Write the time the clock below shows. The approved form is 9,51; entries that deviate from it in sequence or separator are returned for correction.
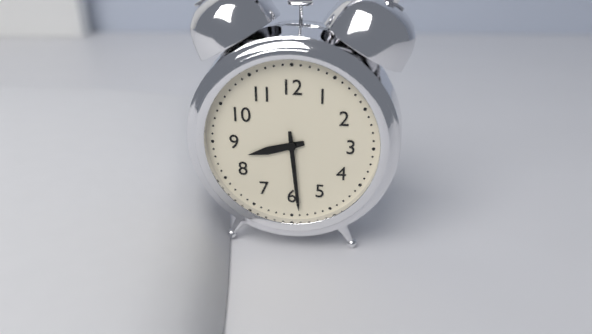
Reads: 8,29
